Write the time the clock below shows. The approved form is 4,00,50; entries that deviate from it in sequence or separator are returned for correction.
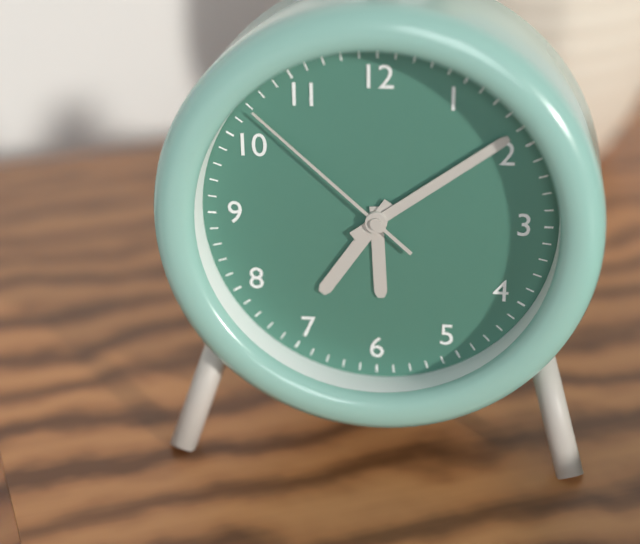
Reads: 7,09,52
